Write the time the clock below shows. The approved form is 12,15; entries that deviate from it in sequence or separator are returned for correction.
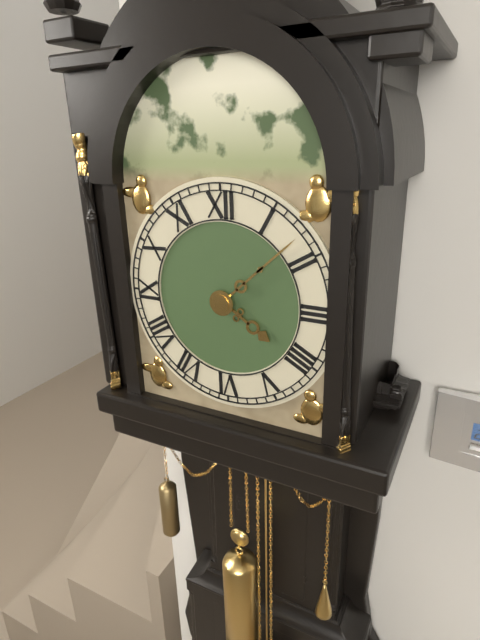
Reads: 4,08
